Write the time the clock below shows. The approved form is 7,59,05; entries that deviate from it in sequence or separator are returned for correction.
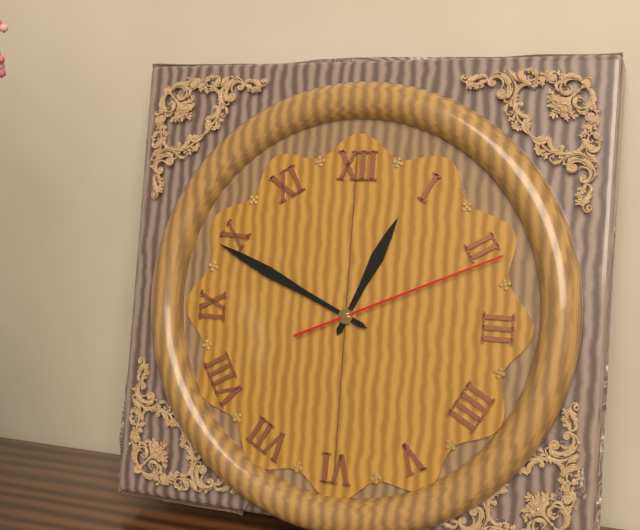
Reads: 12,49,11
